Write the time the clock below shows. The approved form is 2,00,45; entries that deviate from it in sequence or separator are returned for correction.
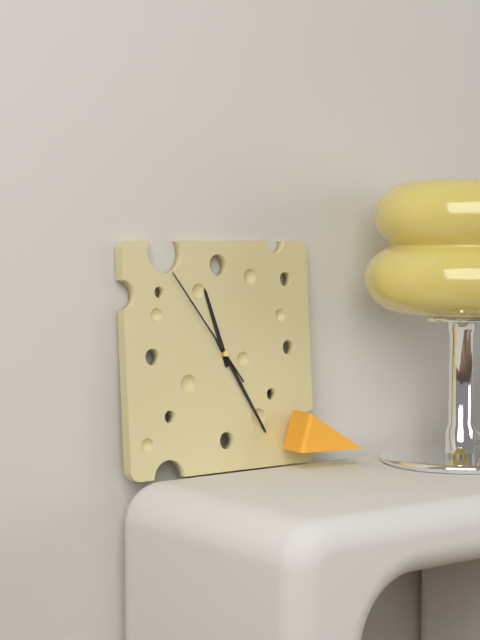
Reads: 11,25,54
